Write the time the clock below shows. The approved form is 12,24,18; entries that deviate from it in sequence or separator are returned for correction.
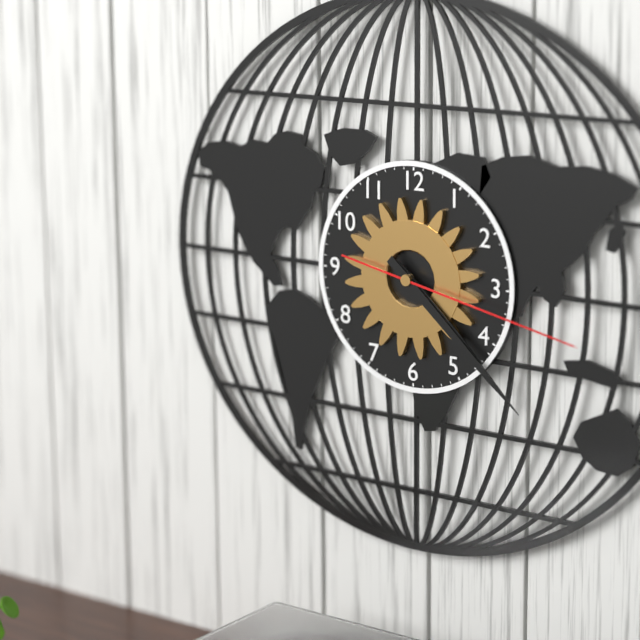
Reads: 4,22,17
